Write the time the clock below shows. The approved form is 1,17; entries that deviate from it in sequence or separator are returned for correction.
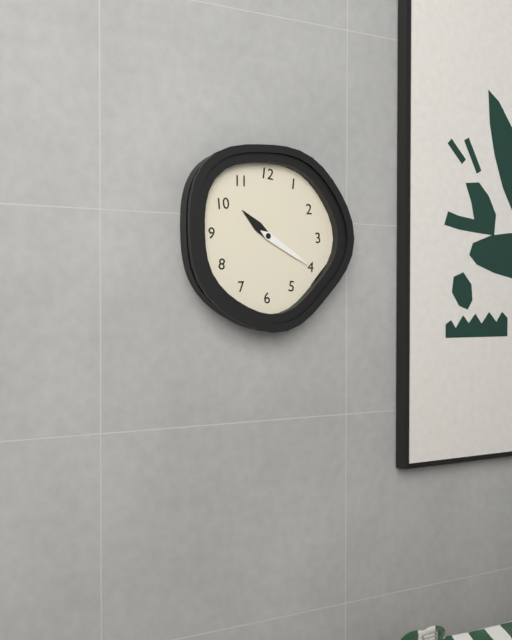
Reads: 10,20
